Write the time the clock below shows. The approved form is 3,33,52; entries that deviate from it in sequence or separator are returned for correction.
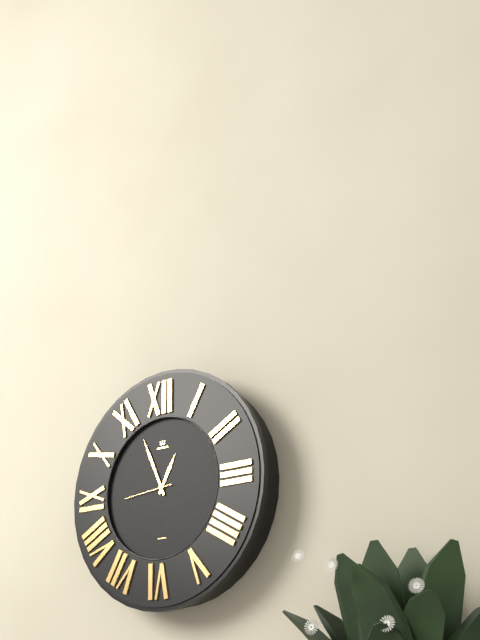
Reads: 12,56,44
